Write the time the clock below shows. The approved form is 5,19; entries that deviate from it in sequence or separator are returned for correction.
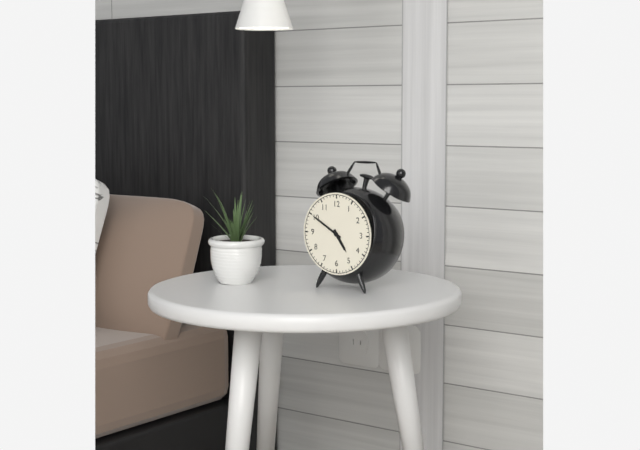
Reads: 4,50
